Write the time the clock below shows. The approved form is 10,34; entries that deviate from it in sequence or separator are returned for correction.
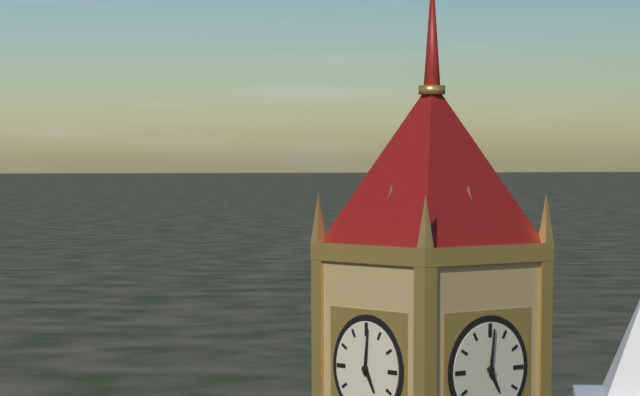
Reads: 5,01
